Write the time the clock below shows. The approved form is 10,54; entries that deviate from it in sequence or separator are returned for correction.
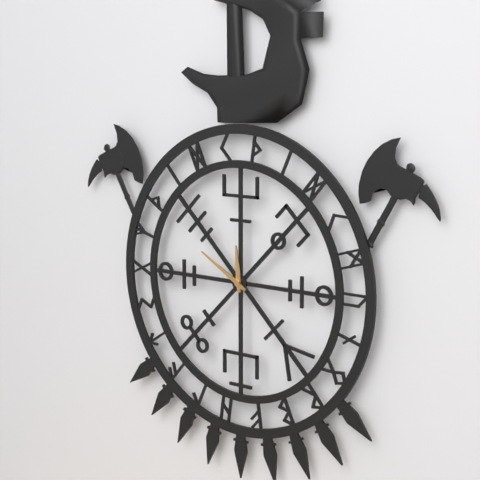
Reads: 11,50
